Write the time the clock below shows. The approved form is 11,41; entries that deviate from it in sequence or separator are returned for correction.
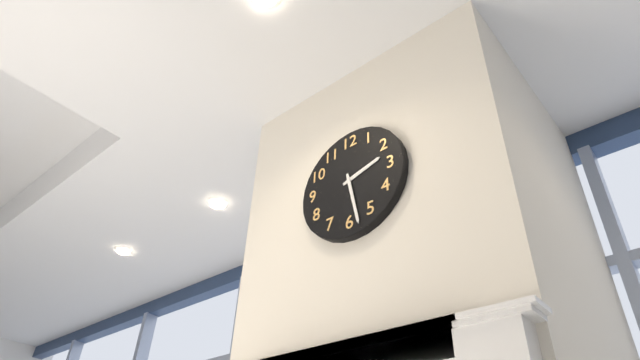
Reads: 2,28
